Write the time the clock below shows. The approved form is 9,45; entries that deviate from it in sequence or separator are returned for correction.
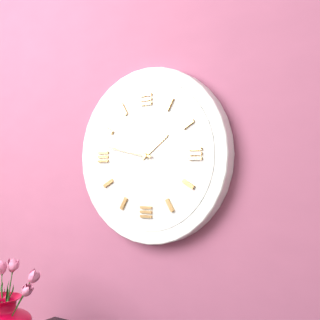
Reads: 1,47
